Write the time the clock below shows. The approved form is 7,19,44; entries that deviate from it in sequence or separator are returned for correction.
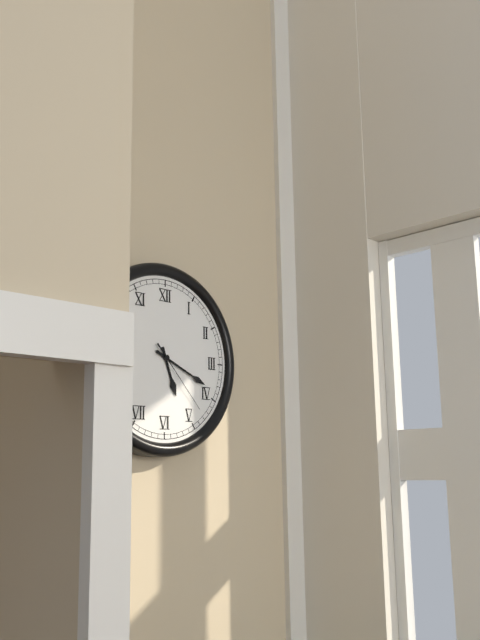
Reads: 5,19,23
